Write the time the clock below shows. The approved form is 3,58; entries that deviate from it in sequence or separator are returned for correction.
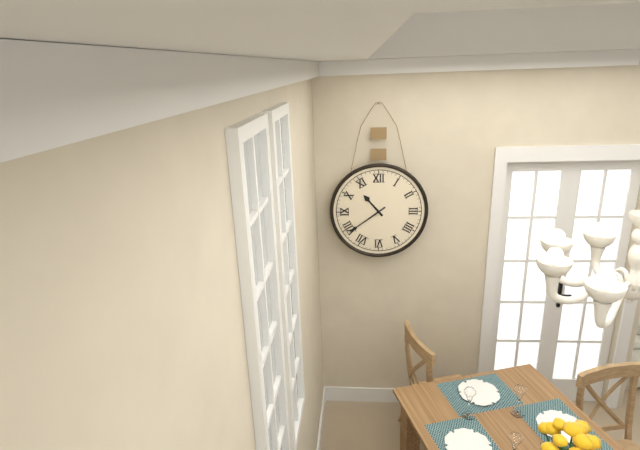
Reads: 10,39
